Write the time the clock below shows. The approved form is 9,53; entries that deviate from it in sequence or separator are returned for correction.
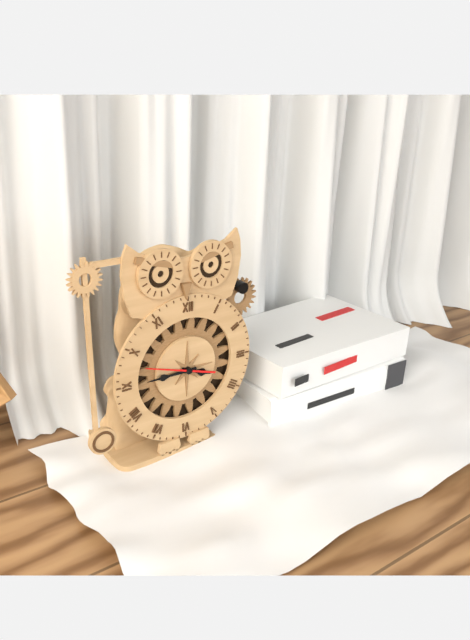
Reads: 3,45
